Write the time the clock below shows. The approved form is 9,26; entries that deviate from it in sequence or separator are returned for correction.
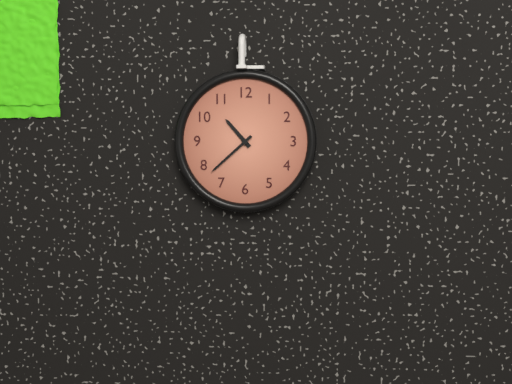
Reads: 10,38
